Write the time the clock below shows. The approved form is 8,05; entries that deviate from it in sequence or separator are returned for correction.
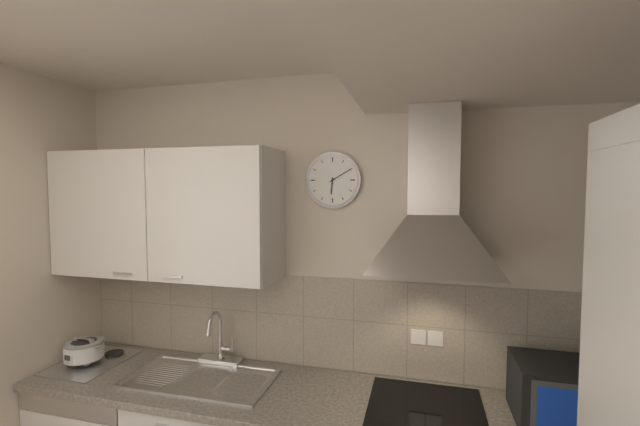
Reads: 6,10
